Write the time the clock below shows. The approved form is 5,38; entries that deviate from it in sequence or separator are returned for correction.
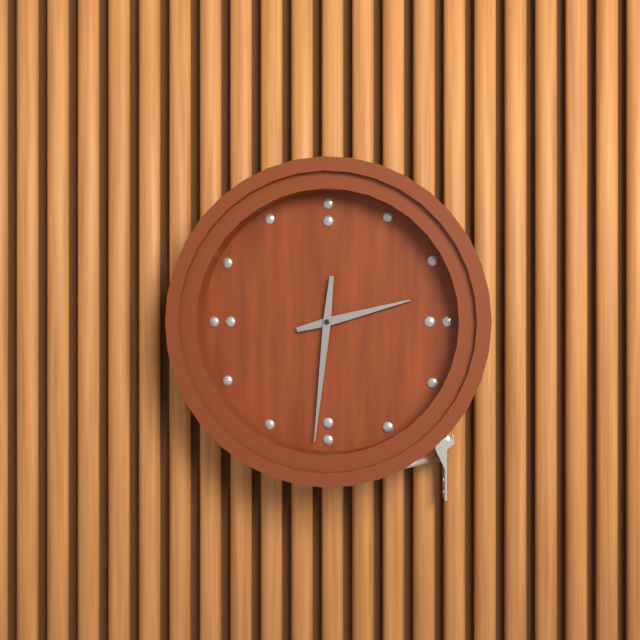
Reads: 2,31
